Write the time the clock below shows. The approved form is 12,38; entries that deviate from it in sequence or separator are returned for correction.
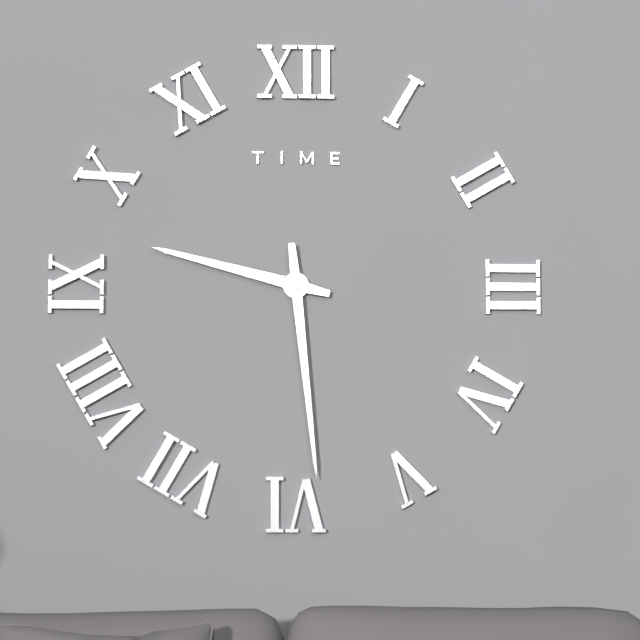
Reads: 9,29
